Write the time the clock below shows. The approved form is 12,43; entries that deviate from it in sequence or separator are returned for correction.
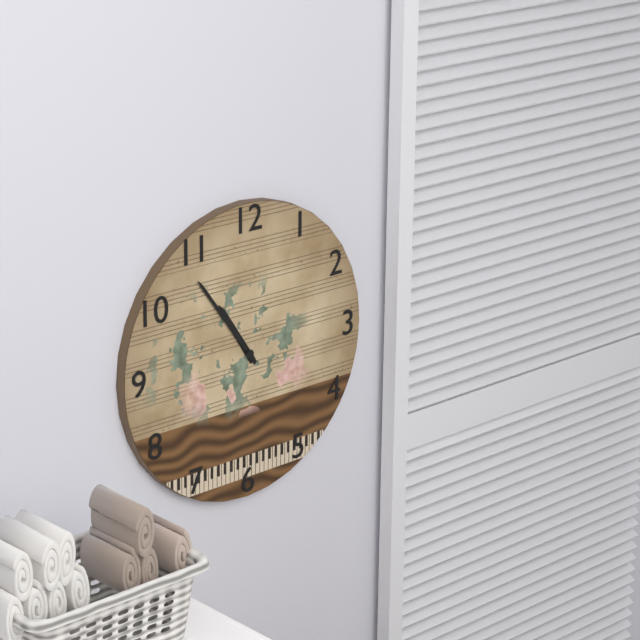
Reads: 10,54
